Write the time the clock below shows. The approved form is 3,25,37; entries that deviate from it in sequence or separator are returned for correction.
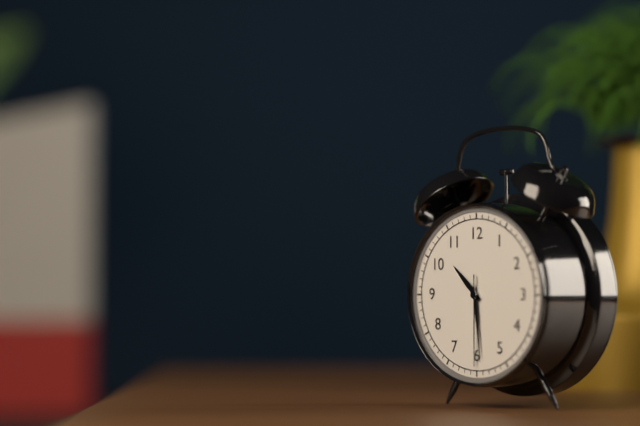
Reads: 10,29,30
